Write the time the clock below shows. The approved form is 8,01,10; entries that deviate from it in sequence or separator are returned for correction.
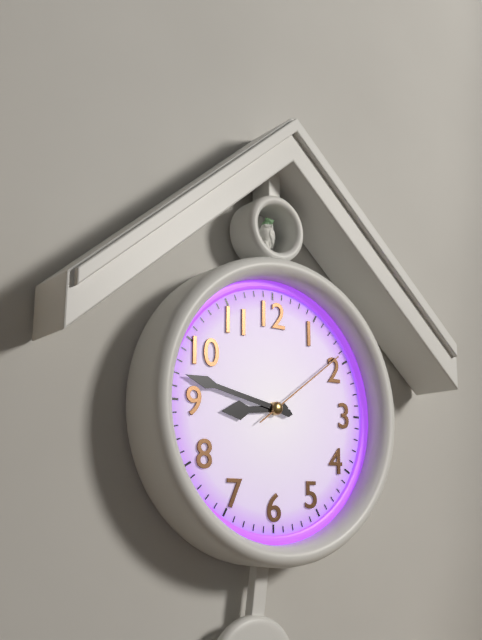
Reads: 8,47,09
